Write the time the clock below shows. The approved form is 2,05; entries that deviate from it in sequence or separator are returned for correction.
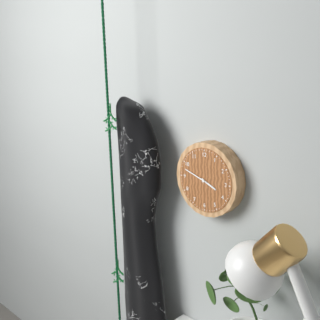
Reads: 3,48
